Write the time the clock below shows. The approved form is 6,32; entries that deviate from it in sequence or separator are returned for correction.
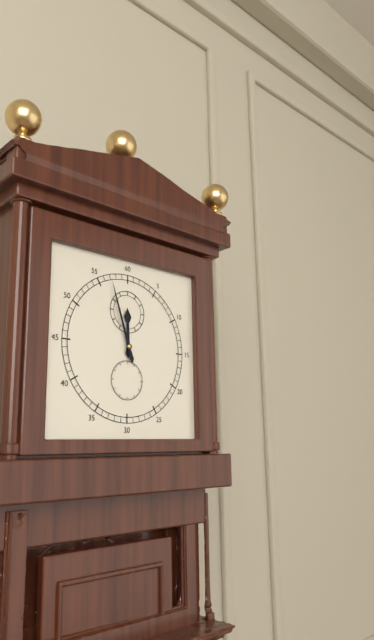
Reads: 11,57
